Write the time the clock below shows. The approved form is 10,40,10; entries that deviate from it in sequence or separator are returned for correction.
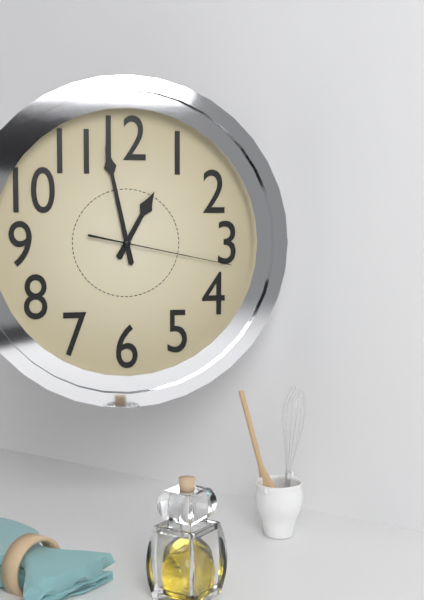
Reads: 12,58,17
